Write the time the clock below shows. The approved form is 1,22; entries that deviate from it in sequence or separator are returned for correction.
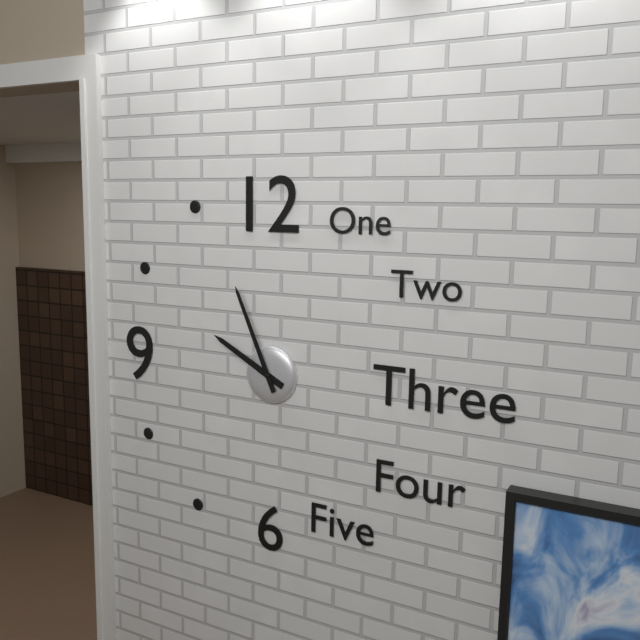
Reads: 9,56
